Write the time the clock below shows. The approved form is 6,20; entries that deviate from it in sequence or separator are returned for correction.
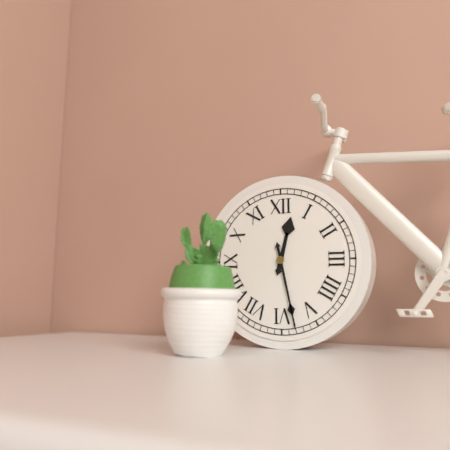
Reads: 12,28
